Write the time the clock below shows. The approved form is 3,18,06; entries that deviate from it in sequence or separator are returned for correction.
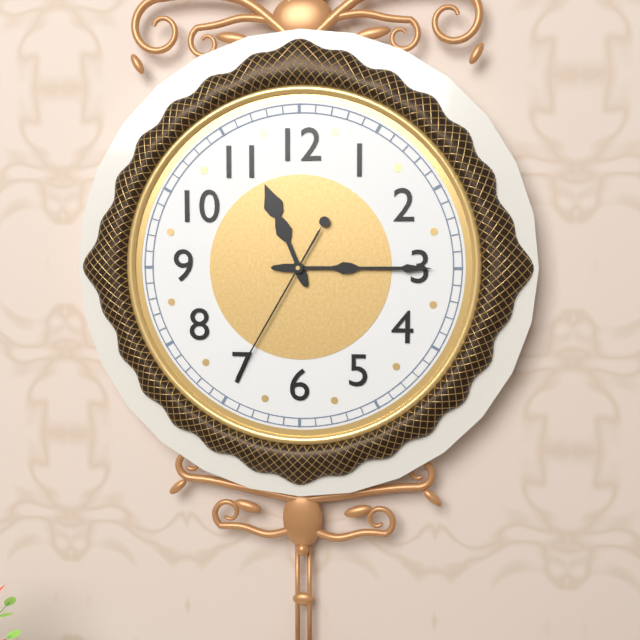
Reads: 11,15,35
